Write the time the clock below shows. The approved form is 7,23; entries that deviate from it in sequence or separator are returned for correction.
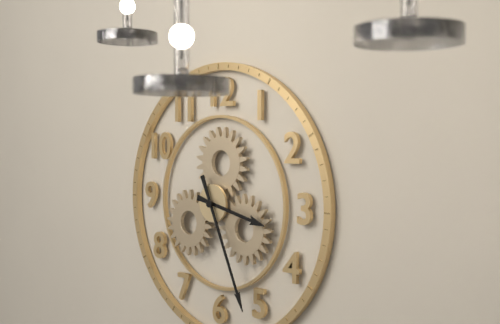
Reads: 3,26
